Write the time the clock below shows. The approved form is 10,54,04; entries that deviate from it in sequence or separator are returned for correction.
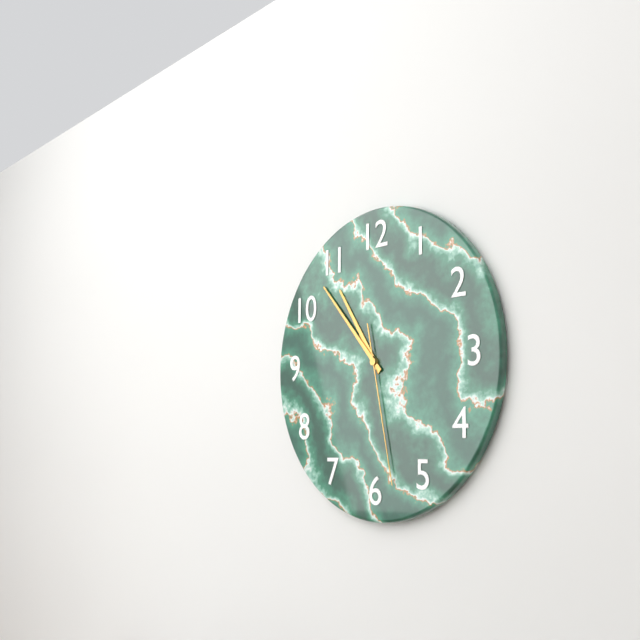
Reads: 10,53,28
